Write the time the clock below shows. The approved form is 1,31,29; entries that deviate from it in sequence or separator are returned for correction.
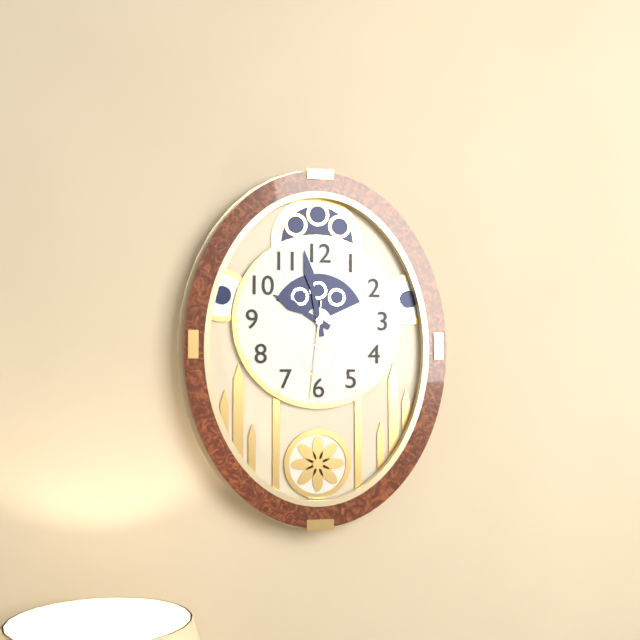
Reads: 9,58,31
